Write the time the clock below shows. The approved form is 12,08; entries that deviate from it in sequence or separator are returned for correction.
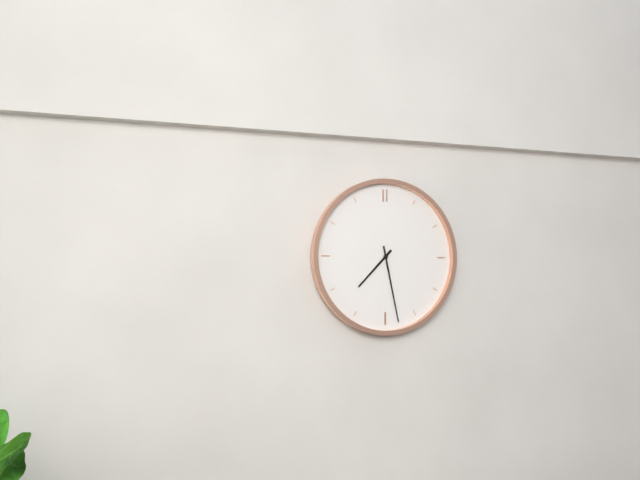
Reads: 7,28
